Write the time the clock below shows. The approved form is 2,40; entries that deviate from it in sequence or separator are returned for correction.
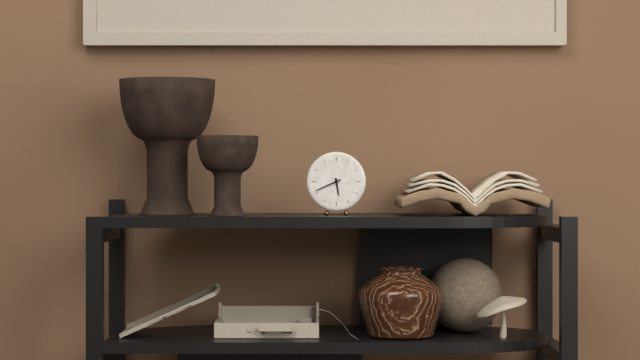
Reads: 5,41
